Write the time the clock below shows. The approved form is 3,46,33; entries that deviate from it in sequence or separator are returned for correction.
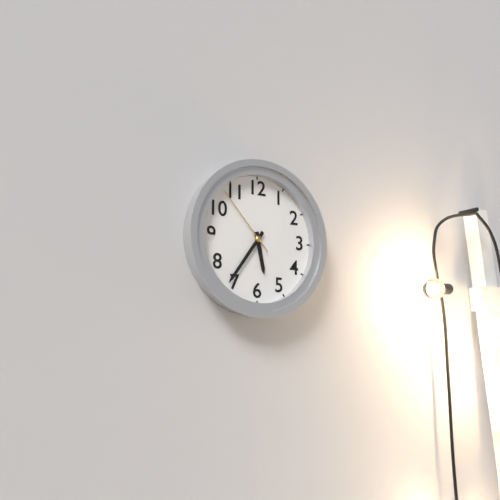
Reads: 5,36,53
